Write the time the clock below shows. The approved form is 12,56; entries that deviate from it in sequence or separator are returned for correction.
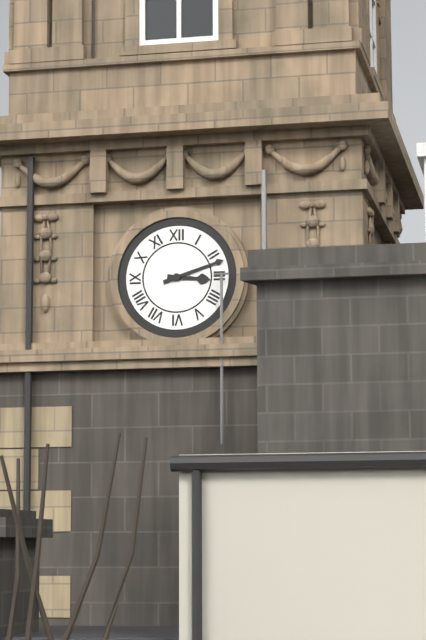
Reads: 3,12
